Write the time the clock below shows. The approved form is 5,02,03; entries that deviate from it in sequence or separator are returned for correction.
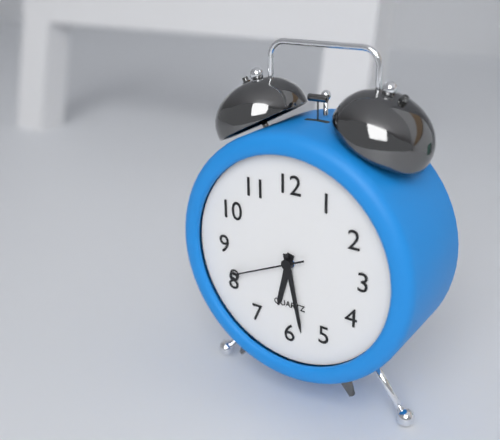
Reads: 6,28,41
